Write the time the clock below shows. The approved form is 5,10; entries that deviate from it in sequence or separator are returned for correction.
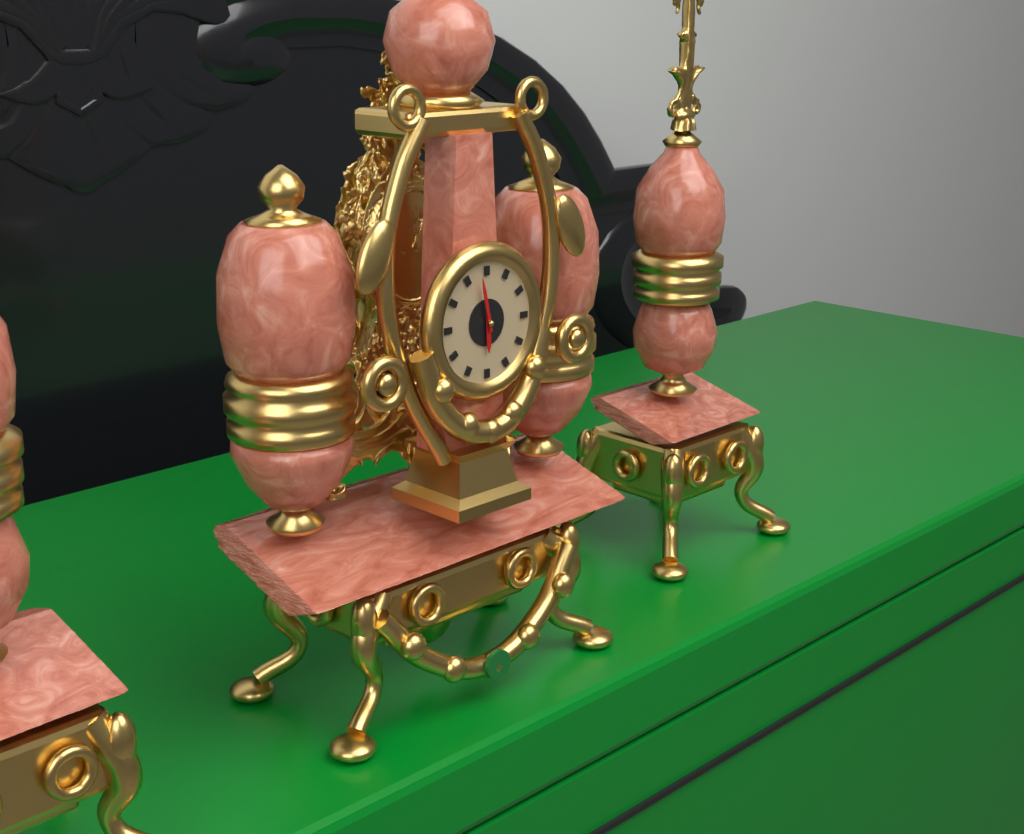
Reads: 5,58
